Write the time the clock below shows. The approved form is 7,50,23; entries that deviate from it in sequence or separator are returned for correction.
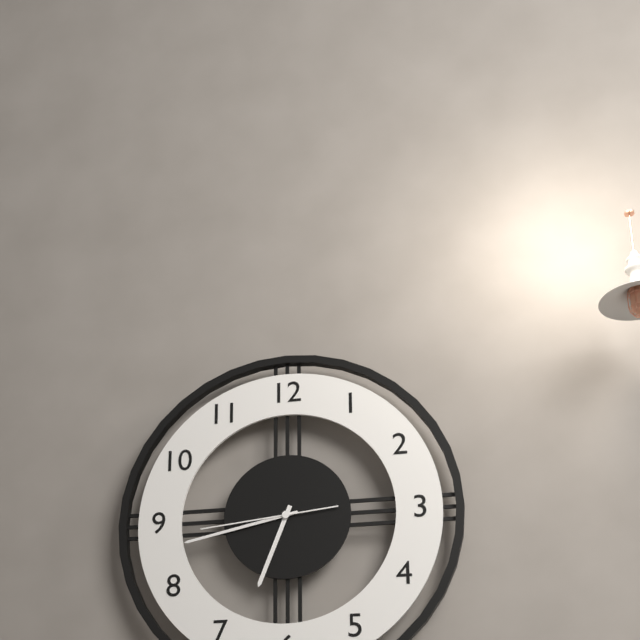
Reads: 6,43,44
